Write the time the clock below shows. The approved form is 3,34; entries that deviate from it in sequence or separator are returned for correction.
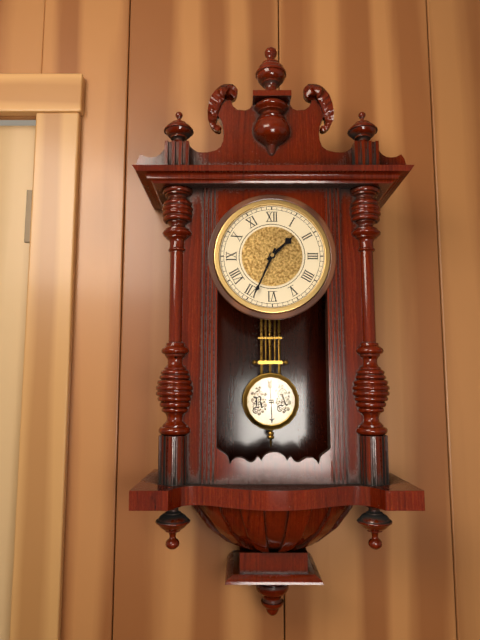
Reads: 1,34
